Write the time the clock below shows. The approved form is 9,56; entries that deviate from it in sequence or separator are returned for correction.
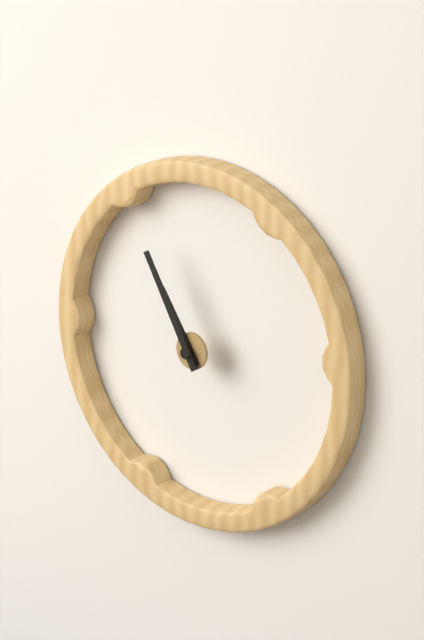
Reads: 10,55
